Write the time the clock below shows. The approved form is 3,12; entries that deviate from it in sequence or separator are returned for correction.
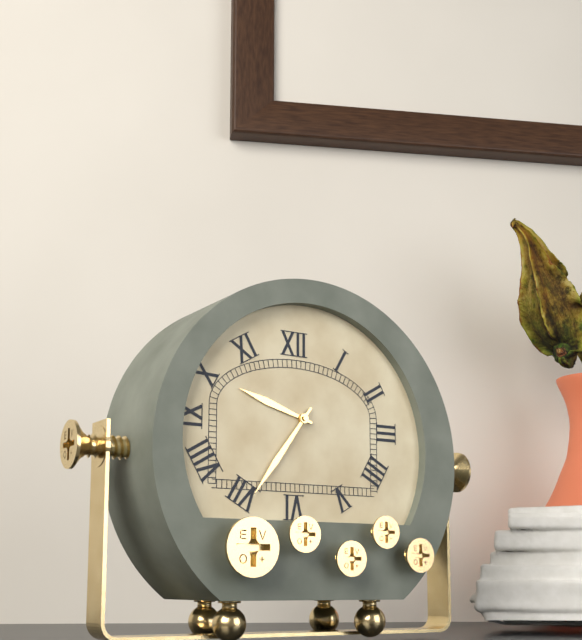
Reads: 9,36
